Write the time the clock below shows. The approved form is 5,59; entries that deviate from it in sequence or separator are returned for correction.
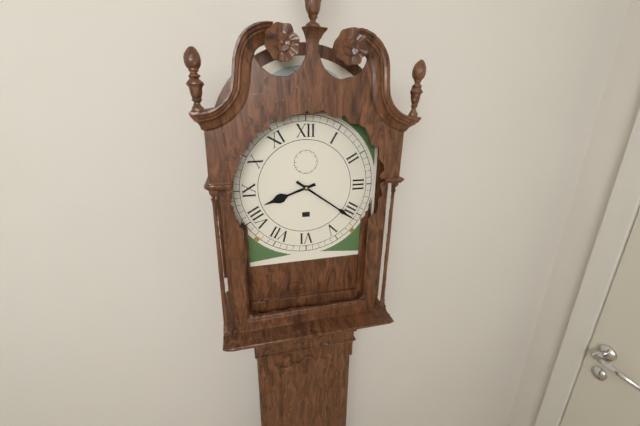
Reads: 8,21
